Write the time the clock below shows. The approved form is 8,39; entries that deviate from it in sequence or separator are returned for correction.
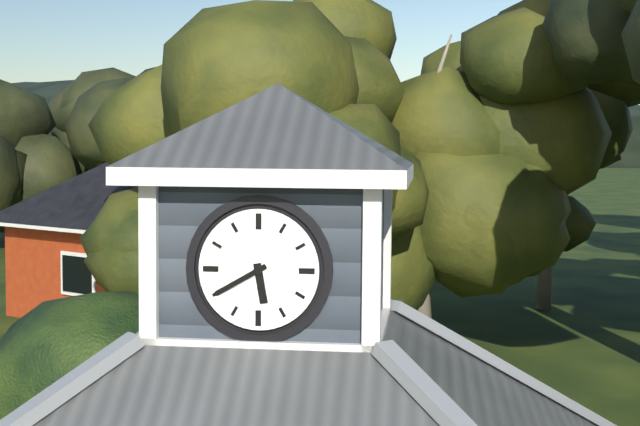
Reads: 5,40
